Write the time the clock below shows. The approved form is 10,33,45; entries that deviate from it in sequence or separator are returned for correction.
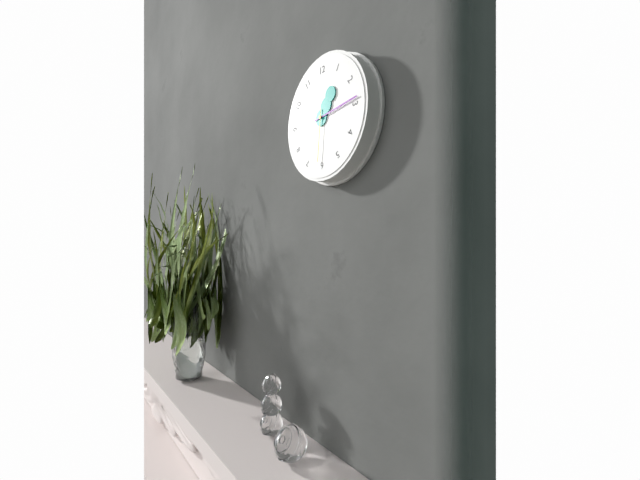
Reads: 1,14,31
